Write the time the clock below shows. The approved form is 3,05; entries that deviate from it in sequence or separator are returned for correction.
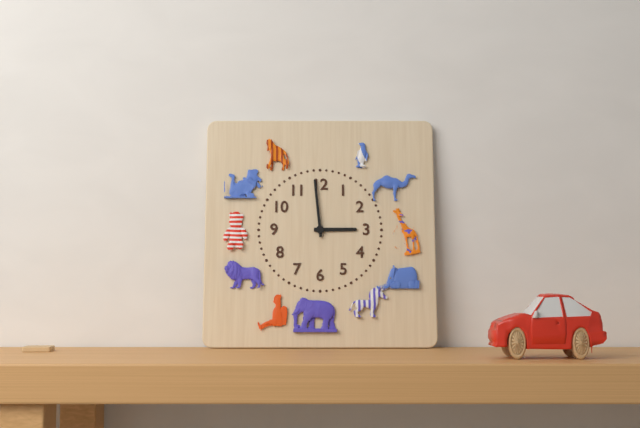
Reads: 2,59
